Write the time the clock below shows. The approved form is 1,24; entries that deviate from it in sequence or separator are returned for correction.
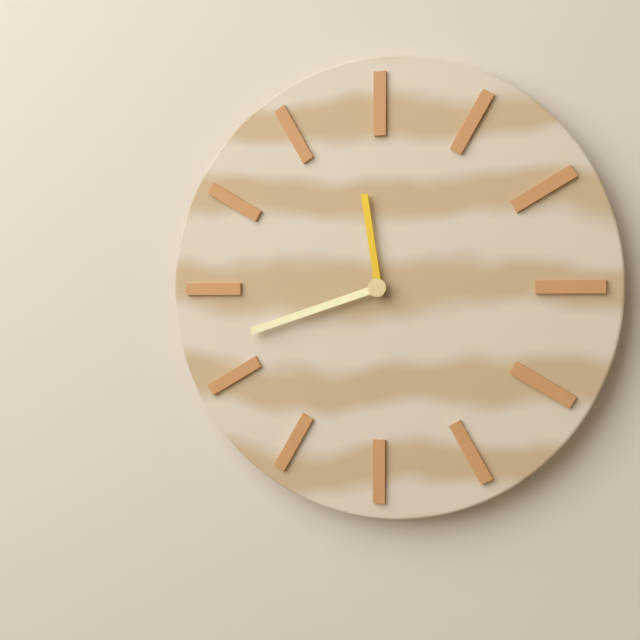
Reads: 11,42
